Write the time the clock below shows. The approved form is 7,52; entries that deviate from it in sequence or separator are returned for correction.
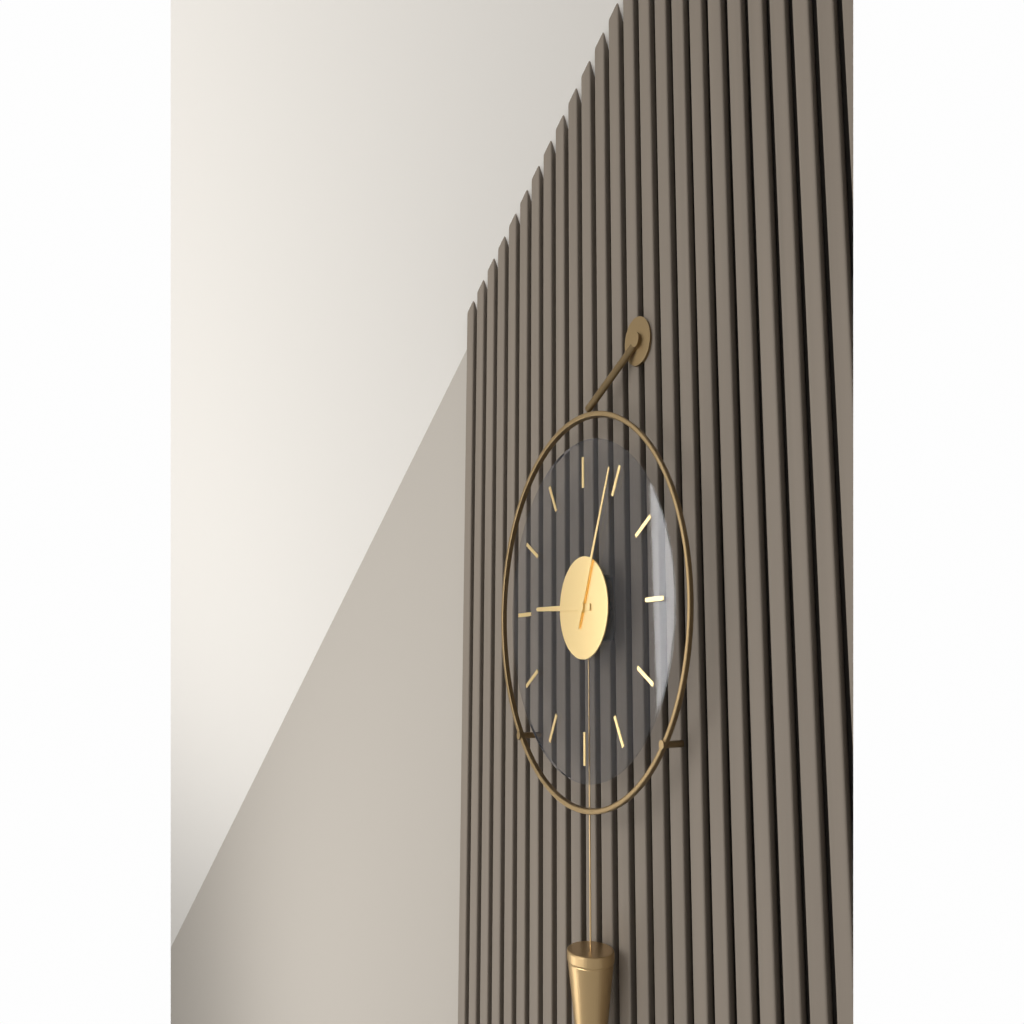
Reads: 9,04
